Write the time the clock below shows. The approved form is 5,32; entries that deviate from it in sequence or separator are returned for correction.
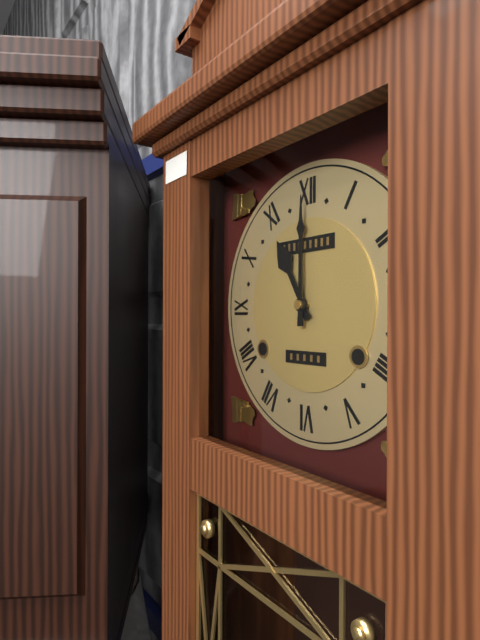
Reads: 11,00
